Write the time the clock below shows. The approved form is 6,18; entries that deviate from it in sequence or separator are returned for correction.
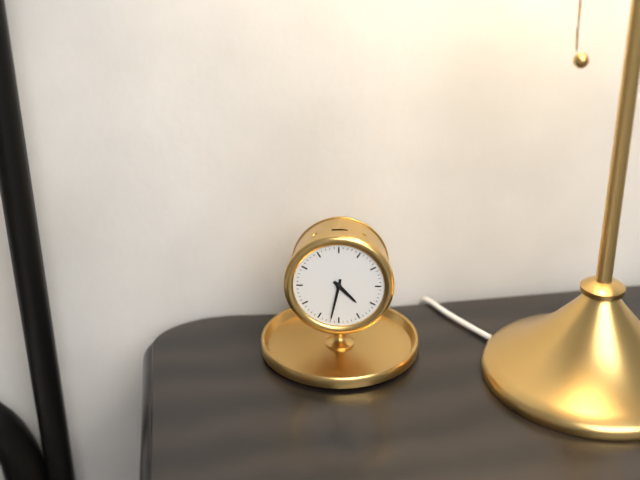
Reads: 4,32
